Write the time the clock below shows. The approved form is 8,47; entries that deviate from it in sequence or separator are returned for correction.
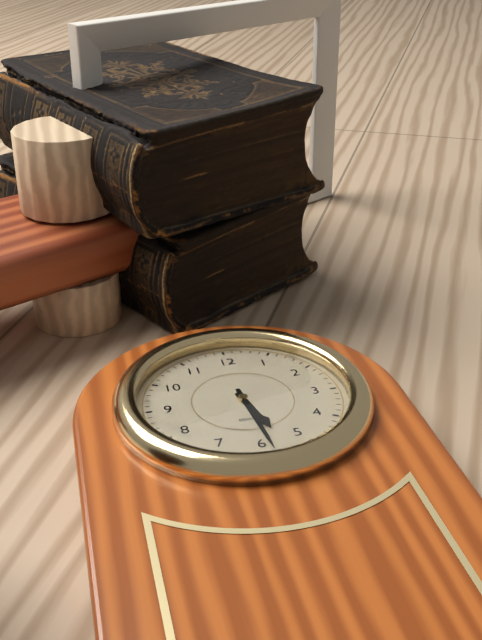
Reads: 5,29
